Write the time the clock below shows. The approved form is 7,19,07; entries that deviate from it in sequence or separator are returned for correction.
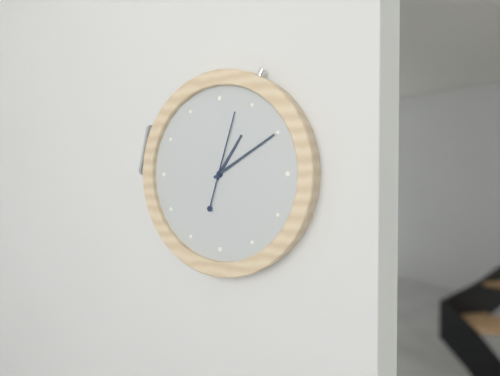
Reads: 1,10,03
